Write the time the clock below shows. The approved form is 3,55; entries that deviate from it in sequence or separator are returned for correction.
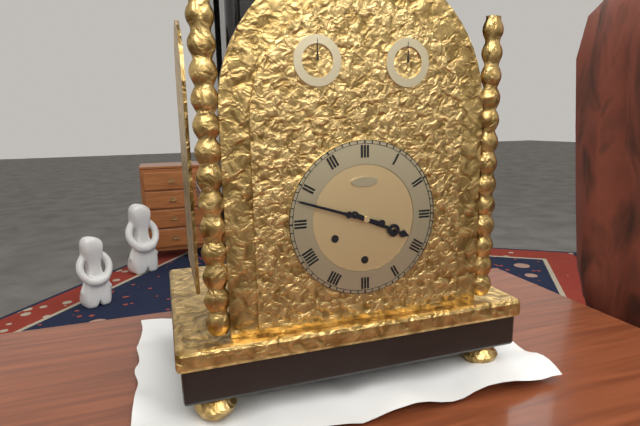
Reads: 3,48
